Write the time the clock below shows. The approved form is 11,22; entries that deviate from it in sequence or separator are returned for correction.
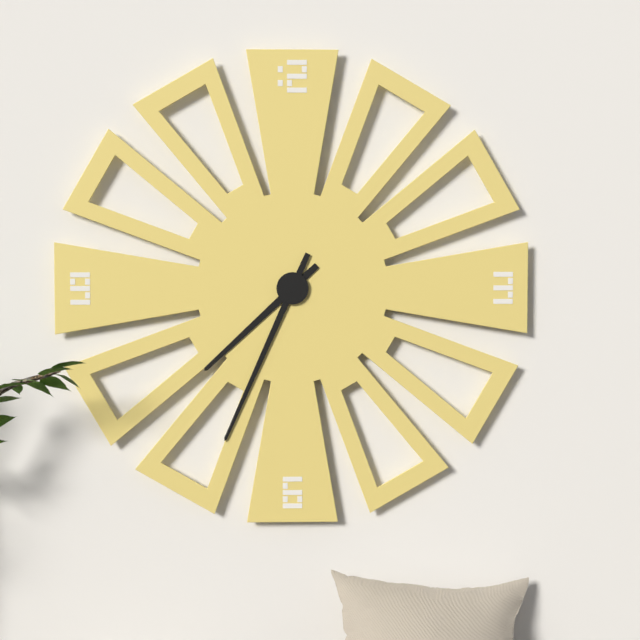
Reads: 7,34
